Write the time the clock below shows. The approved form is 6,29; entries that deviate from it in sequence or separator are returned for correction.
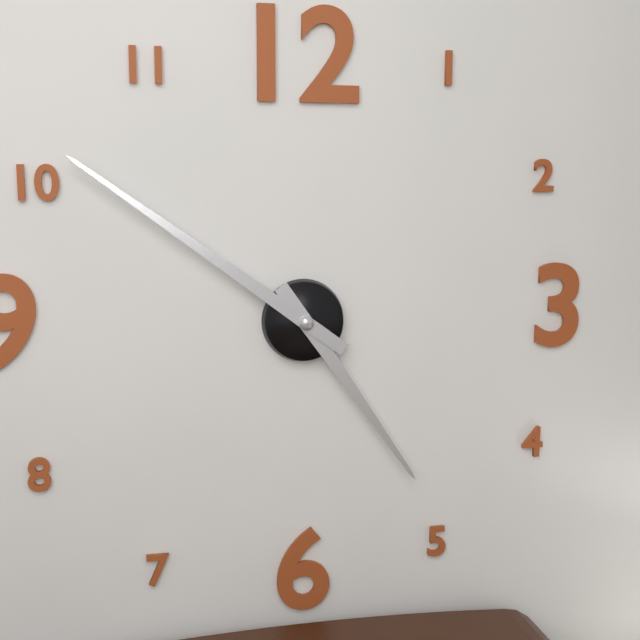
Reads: 4,51
